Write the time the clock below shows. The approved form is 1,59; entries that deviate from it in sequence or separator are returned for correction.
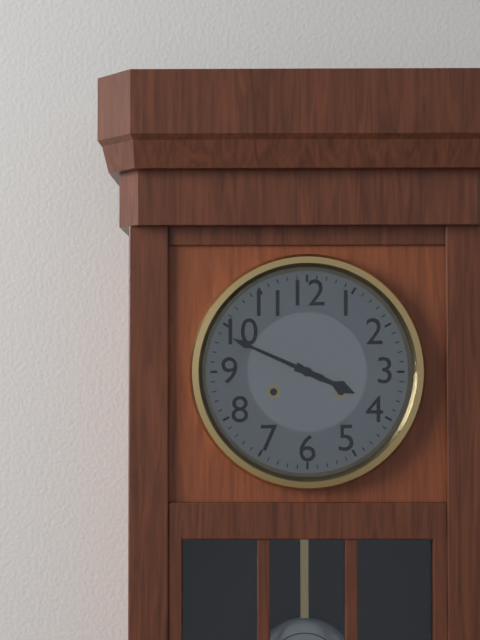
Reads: 3,49
